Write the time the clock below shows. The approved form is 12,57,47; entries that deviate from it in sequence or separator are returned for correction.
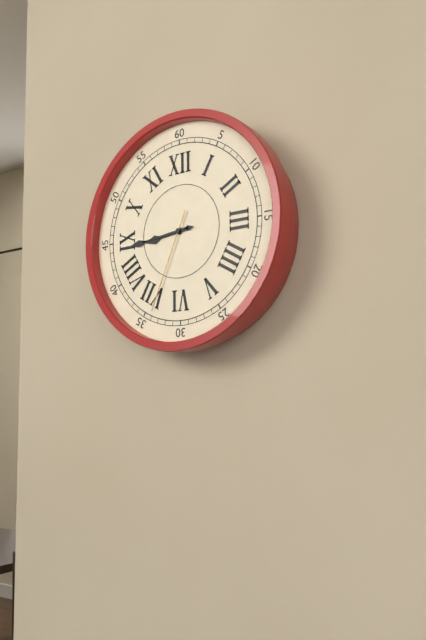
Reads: 8,44,34
